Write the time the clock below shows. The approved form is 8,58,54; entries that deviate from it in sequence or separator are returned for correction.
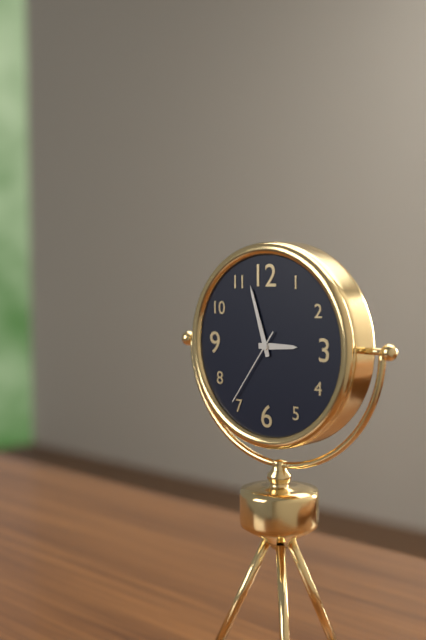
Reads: 2,57,36
